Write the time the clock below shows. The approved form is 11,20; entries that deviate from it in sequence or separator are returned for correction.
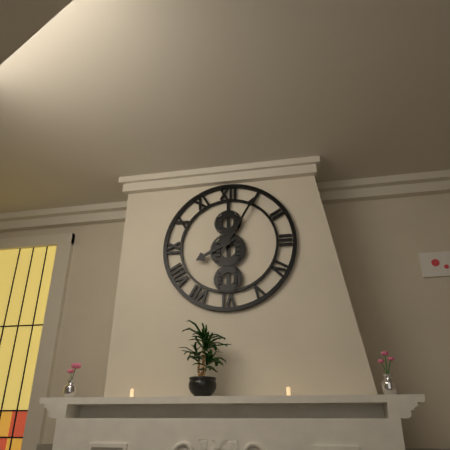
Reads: 8,05
